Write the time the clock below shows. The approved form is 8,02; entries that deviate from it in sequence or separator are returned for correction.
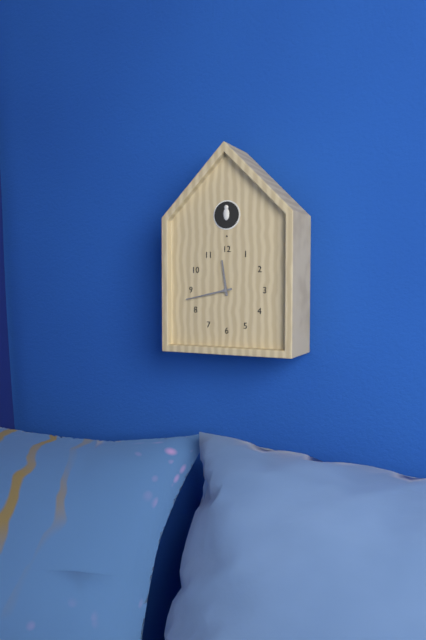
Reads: 11,43
